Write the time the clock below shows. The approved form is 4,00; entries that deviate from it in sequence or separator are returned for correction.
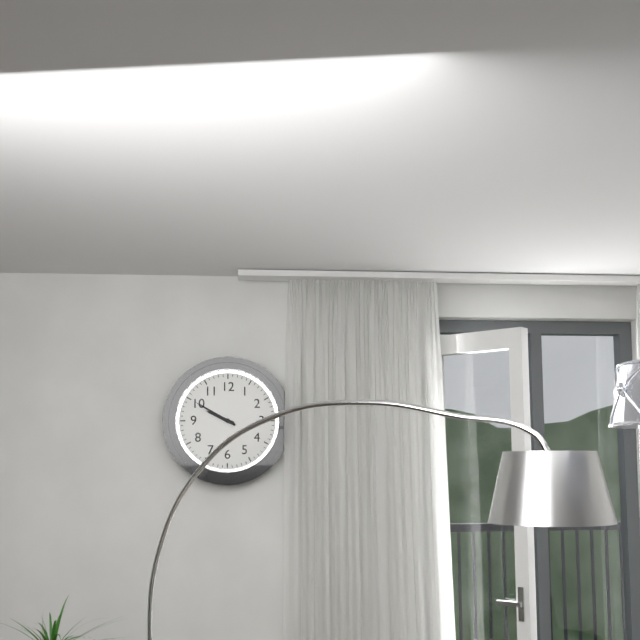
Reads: 9,50
